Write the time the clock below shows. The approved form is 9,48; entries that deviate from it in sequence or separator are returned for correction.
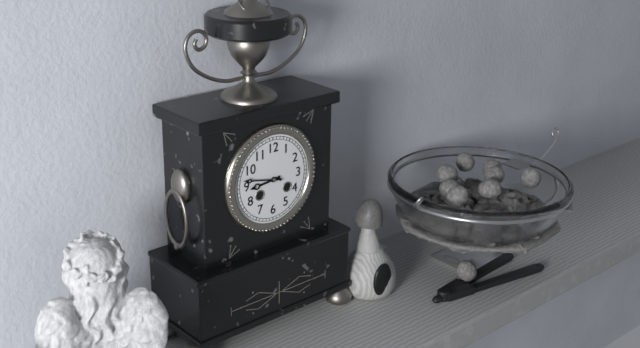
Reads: 8,47
